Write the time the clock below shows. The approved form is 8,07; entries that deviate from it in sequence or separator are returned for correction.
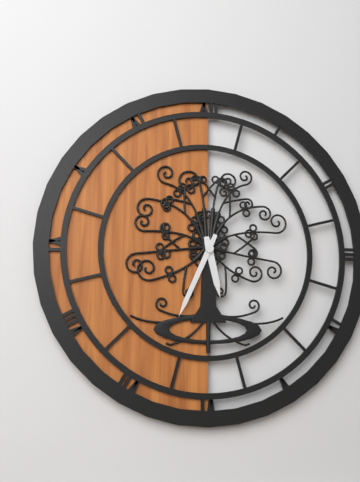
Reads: 5,34
